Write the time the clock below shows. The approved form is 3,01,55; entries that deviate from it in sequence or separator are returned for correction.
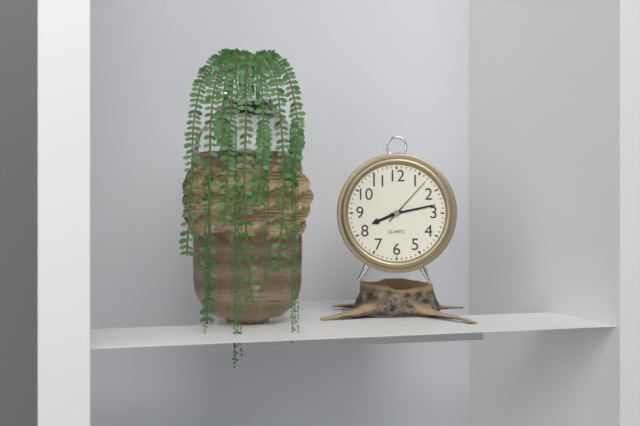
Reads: 8,13,07
